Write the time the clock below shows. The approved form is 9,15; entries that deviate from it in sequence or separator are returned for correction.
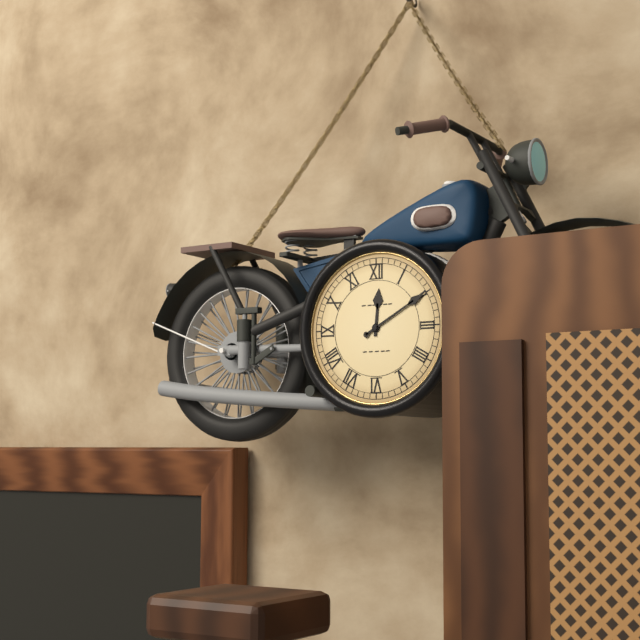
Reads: 12,10
